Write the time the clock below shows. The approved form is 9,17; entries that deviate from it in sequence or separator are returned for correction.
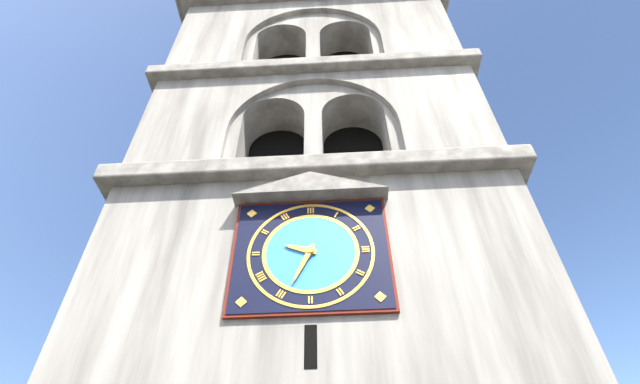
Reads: 9,34
